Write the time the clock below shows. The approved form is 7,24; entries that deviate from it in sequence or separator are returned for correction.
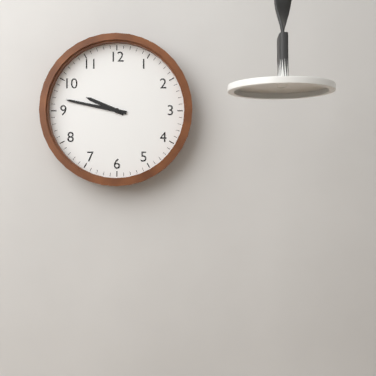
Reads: 9,47
